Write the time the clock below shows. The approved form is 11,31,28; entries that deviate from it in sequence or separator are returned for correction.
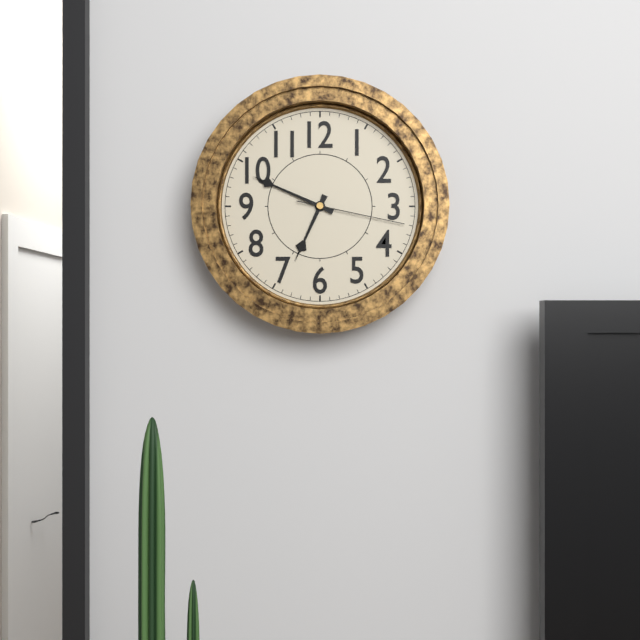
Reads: 6,49,17
